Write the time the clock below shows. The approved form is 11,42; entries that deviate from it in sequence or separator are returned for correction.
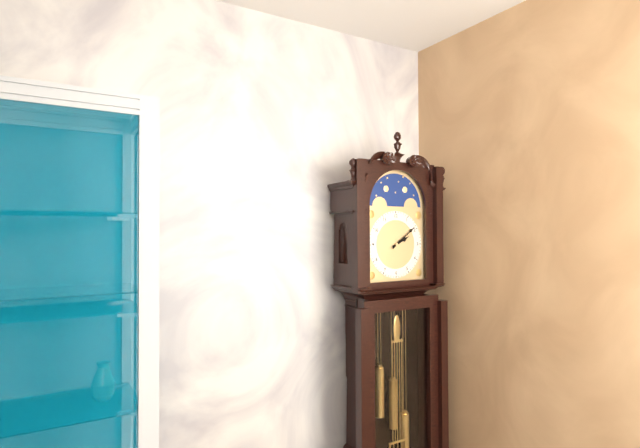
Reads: 2,09
